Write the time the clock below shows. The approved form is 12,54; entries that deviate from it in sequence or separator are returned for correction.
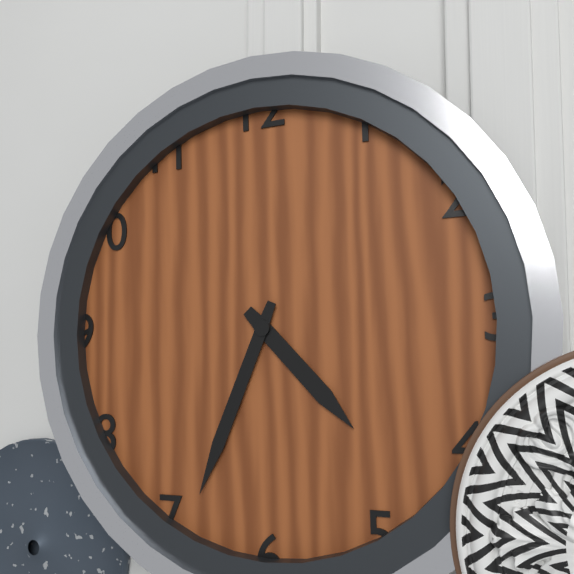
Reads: 4,34
